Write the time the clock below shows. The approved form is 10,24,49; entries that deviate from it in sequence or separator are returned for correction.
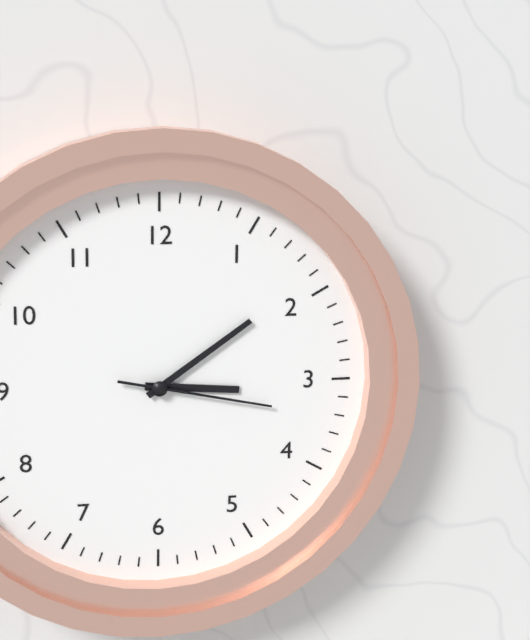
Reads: 3,09,17
